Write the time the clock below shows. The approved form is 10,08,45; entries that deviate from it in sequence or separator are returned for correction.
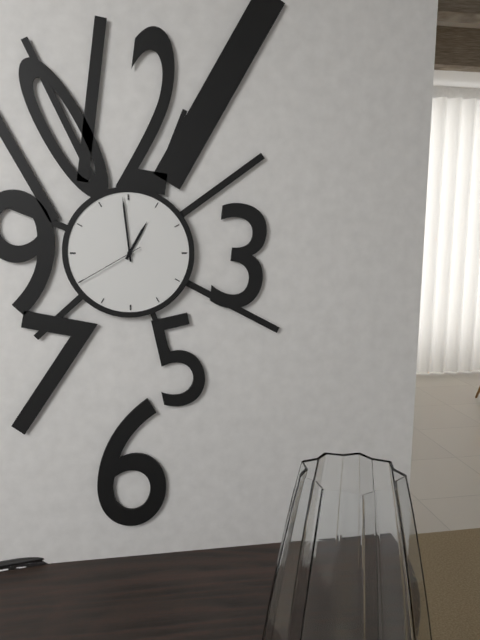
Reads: 12,59,40
